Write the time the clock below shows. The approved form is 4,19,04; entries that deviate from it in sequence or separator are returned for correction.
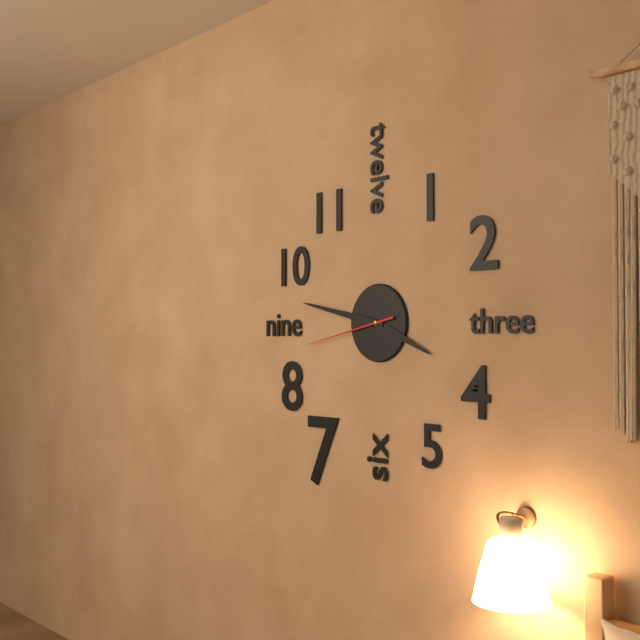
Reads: 3,47,43
